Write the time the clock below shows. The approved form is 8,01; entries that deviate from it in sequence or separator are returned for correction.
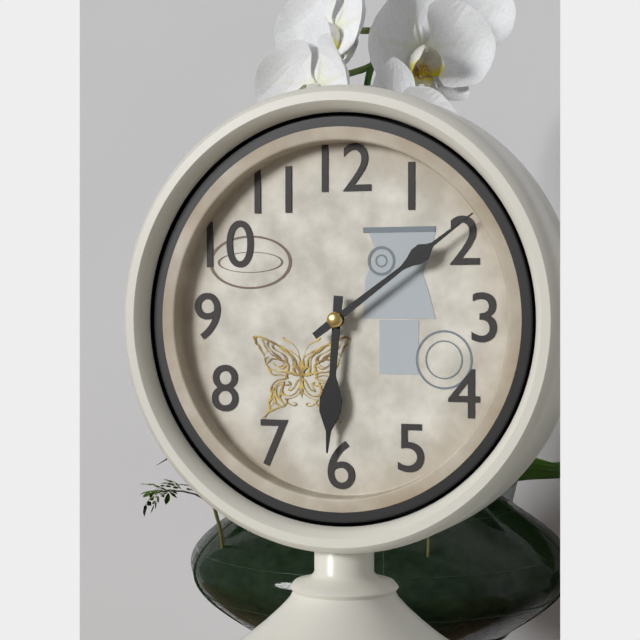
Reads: 6,09
